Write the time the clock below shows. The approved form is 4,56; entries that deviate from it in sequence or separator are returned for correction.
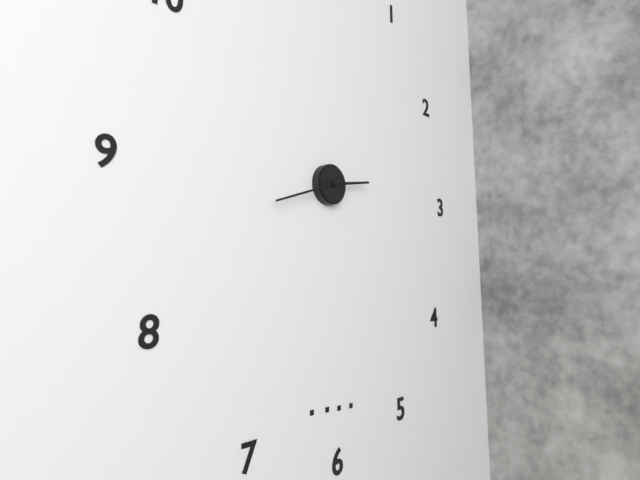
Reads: 2,42
